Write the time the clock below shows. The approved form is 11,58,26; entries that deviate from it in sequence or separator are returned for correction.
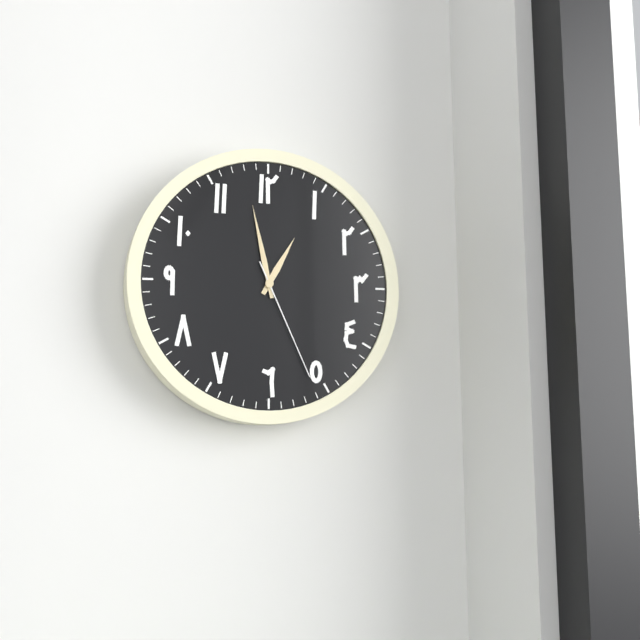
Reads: 12,58,26
